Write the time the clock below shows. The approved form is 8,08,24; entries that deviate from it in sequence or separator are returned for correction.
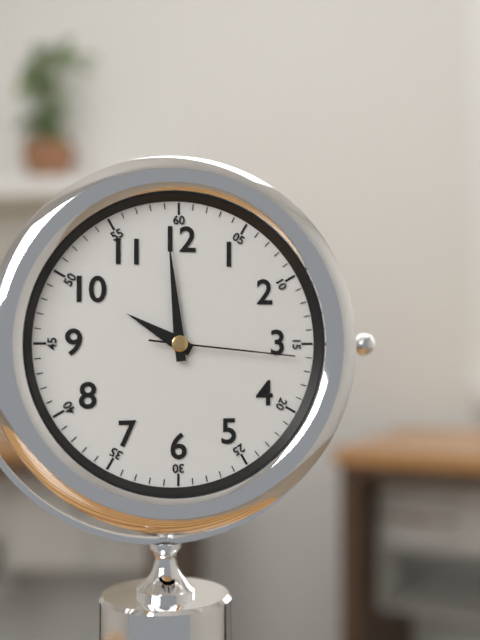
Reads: 9,59,16
